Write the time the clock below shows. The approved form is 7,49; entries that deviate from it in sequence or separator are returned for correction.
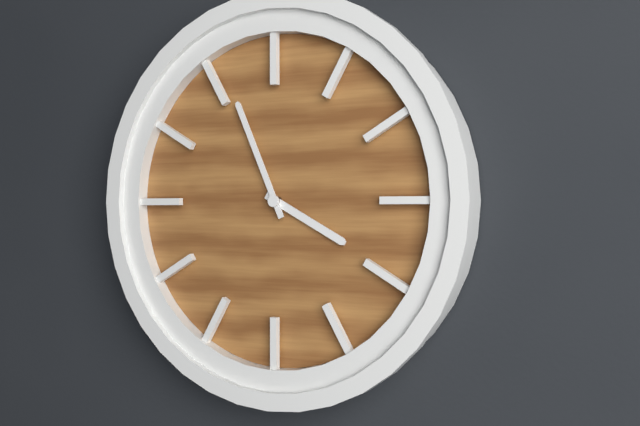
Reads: 3,56
